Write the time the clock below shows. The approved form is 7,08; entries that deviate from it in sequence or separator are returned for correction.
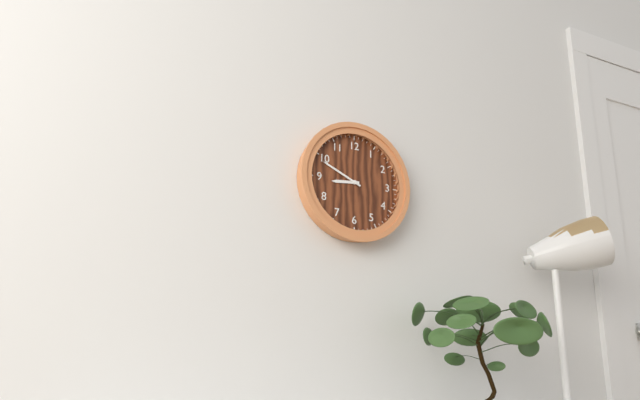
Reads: 8,49
